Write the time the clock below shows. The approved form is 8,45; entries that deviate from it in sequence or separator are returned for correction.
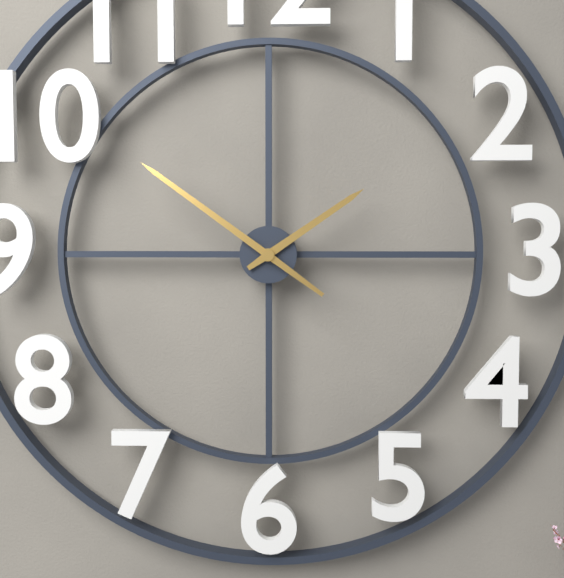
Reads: 1,51
